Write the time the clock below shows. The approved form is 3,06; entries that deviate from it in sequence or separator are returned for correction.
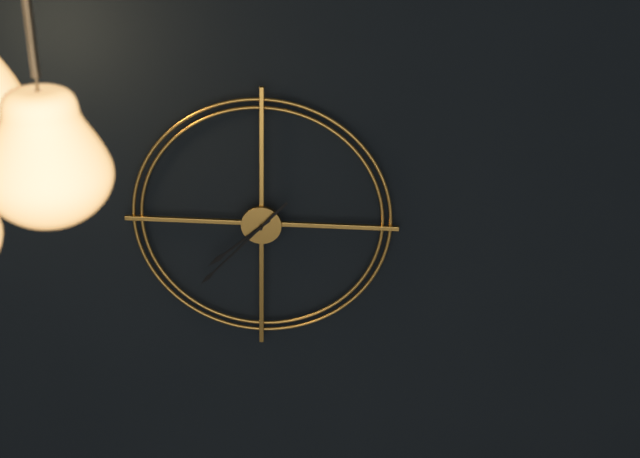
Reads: 7,37
